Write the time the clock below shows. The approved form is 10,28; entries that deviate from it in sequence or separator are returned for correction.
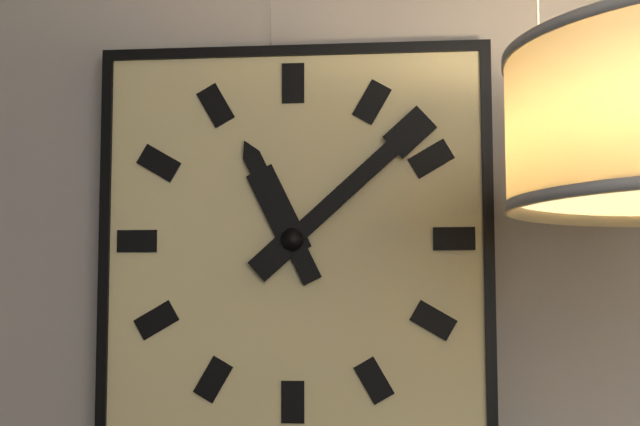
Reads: 11,08
